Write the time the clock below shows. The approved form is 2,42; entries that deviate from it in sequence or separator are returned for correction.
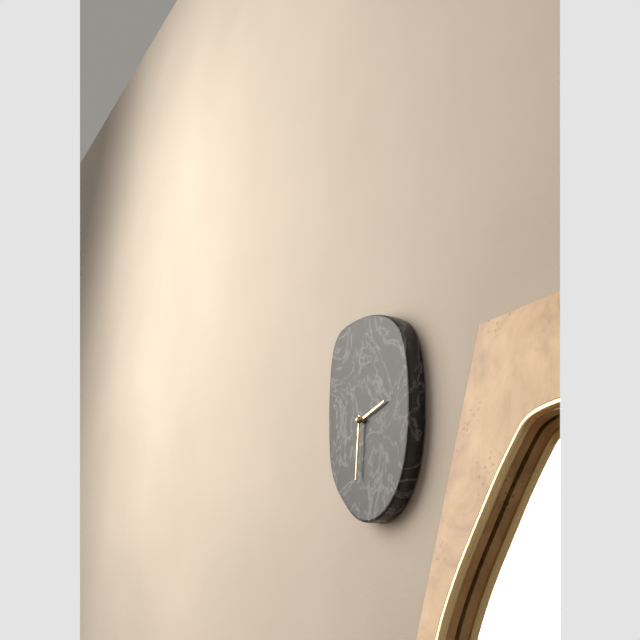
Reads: 2,31
